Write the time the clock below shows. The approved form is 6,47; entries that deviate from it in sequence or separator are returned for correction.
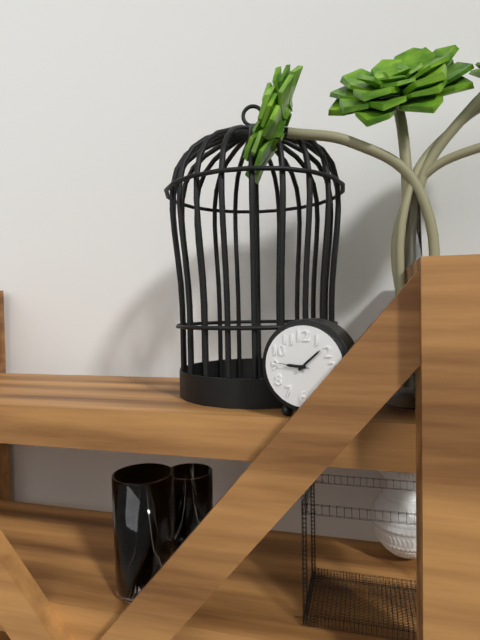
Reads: 9,08
